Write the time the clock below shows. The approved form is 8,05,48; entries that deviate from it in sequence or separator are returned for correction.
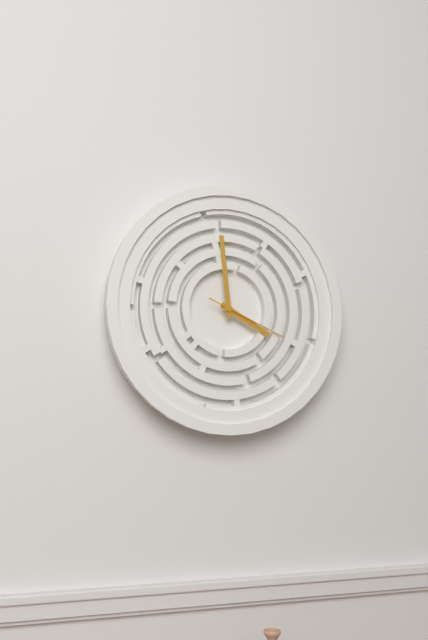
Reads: 3,59,19
